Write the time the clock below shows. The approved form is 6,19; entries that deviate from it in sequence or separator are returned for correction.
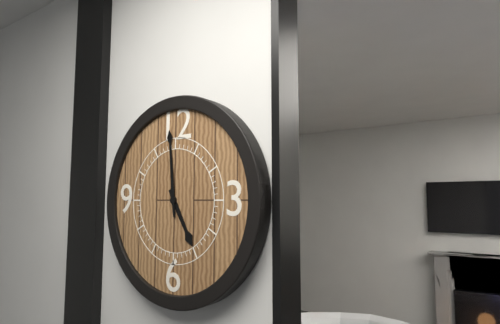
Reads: 4,59
